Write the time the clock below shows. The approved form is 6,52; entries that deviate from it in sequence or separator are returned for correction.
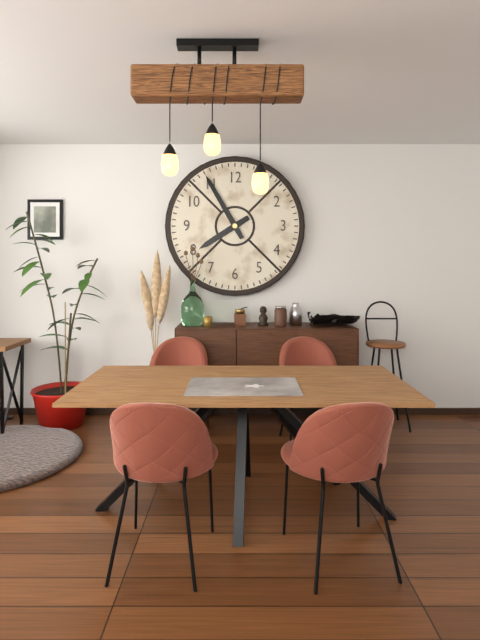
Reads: 7,55
